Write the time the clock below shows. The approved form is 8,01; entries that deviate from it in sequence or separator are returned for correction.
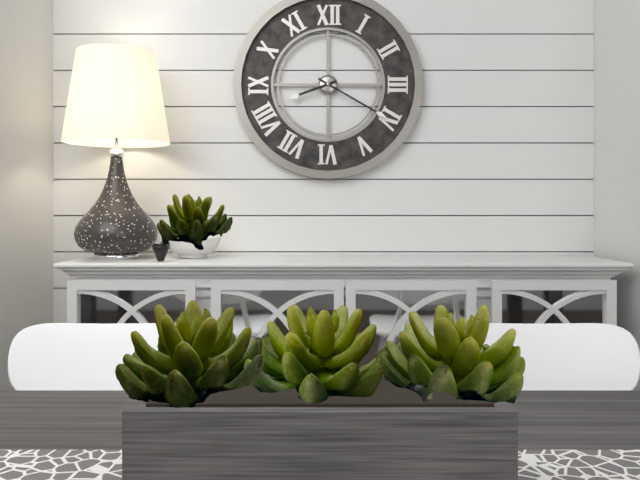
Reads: 8,20
